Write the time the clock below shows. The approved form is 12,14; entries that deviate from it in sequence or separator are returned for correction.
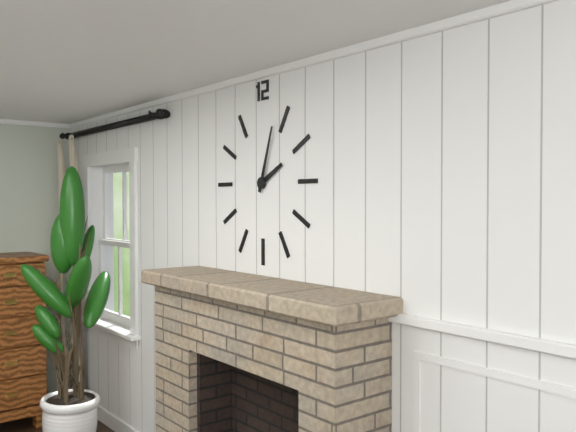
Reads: 2,03
